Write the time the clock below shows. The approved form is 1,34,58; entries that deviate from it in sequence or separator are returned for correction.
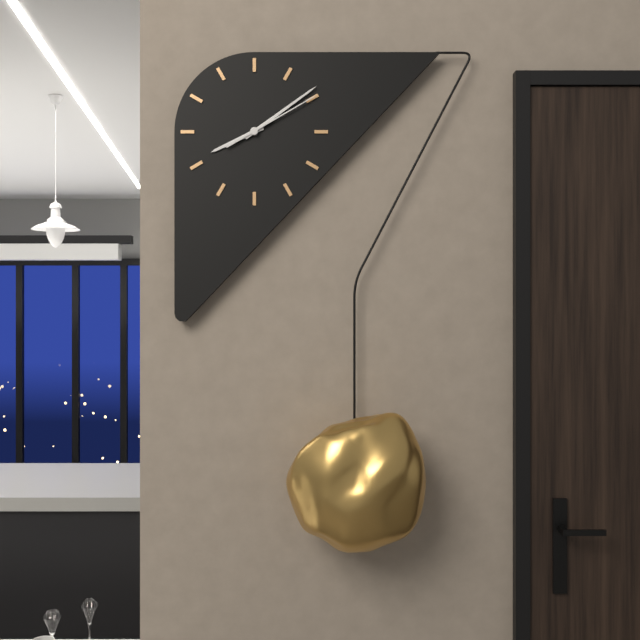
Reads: 8,09,10
